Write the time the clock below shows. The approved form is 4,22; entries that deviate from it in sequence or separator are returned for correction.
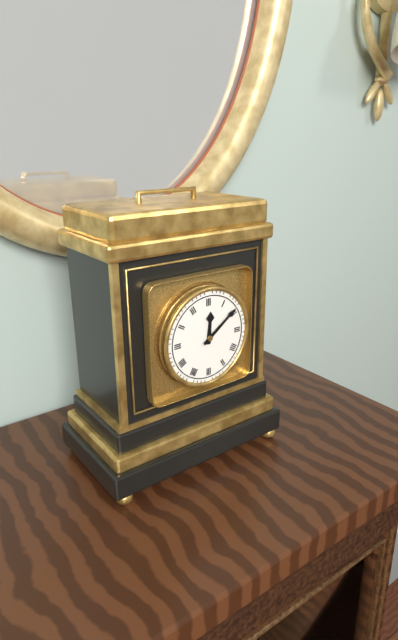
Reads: 12,09
